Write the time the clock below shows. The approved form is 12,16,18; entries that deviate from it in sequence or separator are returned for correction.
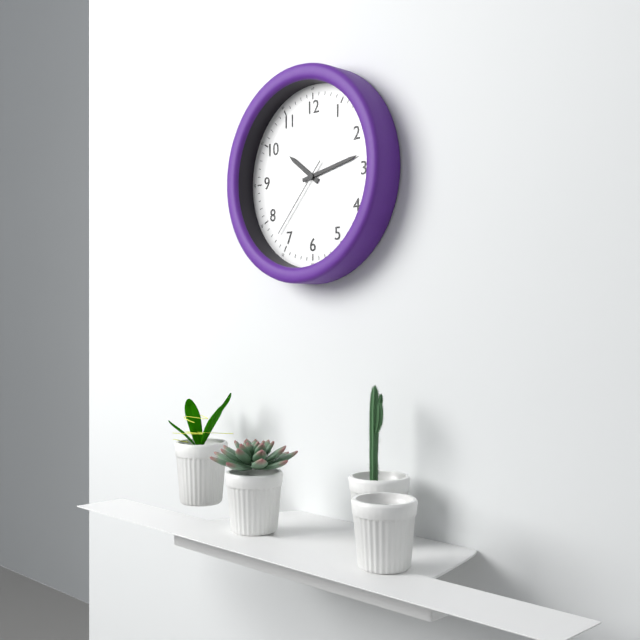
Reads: 10,13,37
